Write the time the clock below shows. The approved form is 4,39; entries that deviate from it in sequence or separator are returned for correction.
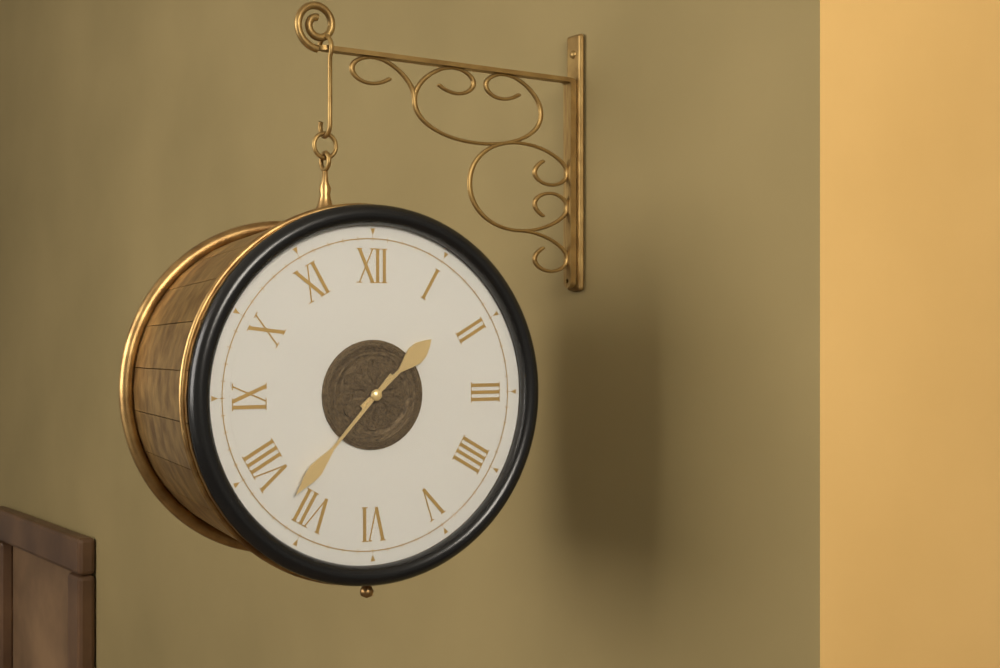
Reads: 1,37
